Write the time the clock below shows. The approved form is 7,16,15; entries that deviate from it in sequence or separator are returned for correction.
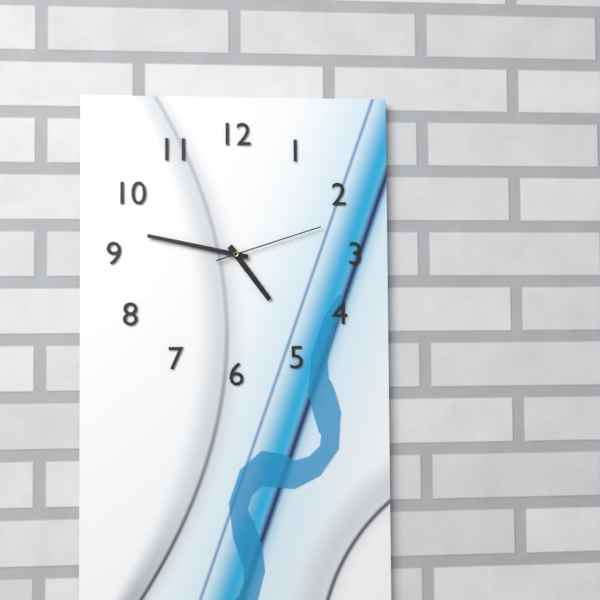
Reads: 4,47,12
